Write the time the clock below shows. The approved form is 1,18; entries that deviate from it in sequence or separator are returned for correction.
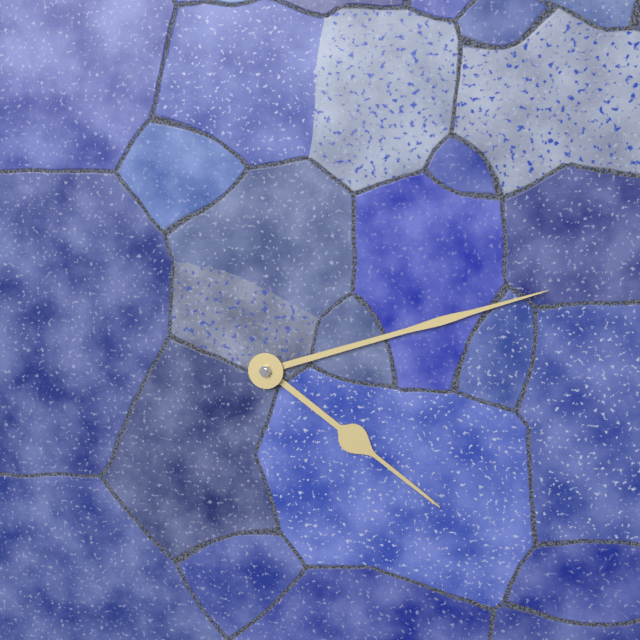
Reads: 4,12
